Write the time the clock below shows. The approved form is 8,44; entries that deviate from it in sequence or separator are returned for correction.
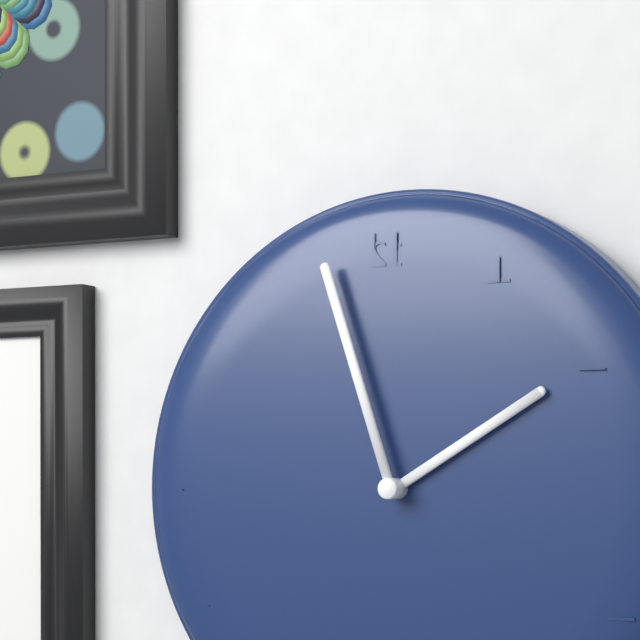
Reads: 1,57
